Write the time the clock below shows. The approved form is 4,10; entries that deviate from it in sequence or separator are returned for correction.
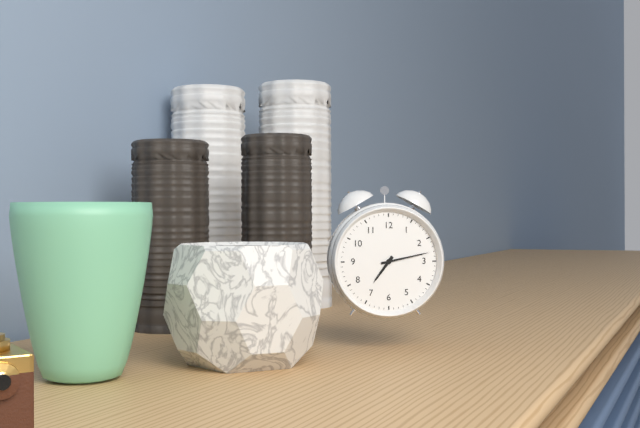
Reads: 7,13
